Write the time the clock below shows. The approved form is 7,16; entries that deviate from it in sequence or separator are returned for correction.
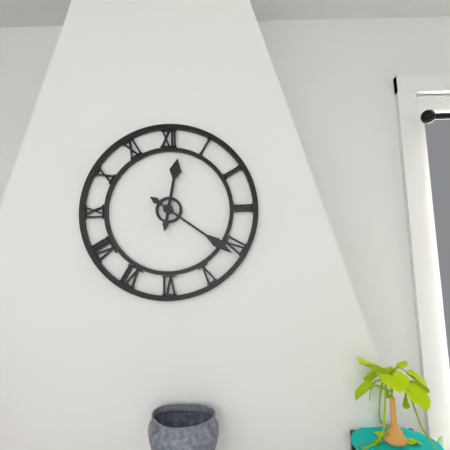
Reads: 12,21
